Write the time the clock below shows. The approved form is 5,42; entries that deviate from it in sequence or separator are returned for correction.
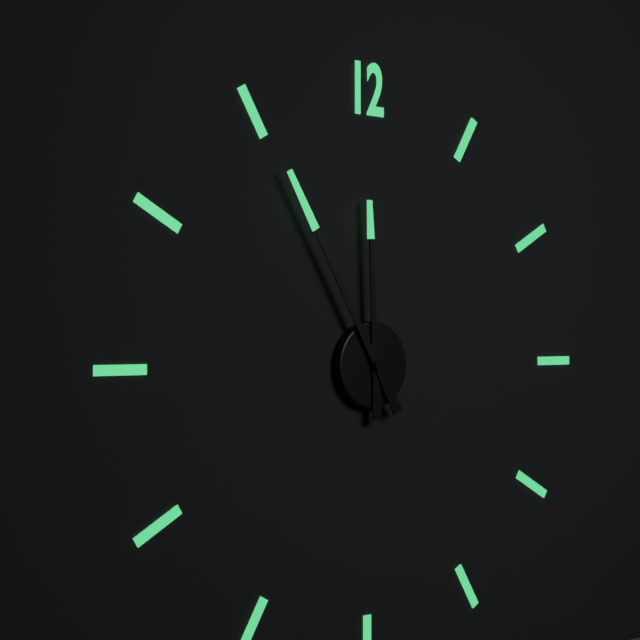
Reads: 11,55
